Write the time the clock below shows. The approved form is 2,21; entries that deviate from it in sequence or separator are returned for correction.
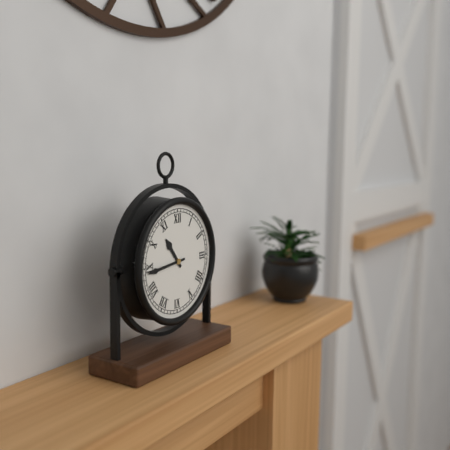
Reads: 10,44
